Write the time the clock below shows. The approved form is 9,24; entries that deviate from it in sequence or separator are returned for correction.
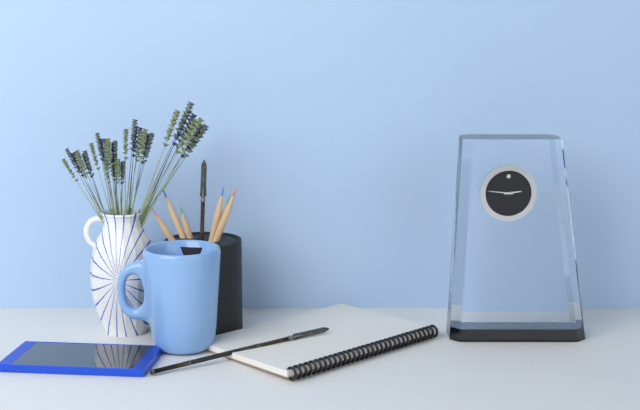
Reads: 2,46
